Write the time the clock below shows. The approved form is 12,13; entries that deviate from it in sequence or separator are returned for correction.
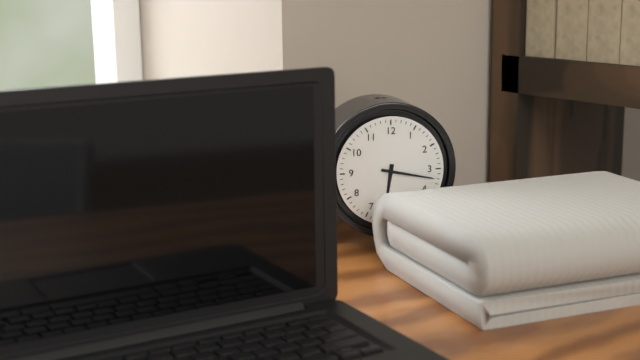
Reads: 6,17
